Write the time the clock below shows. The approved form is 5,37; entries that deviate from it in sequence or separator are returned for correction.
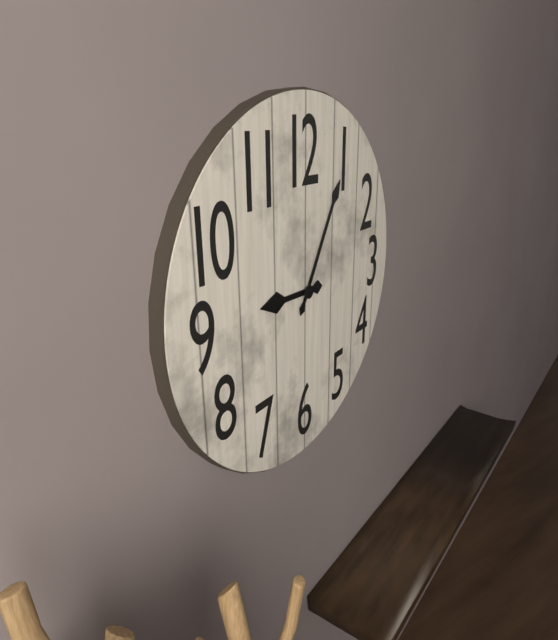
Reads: 9,05
